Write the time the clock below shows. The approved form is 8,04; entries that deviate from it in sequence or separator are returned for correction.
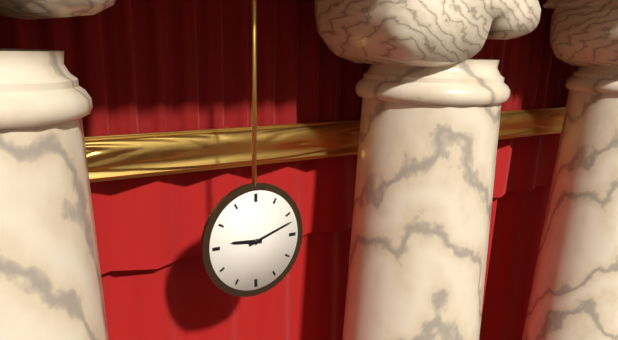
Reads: 9,12
